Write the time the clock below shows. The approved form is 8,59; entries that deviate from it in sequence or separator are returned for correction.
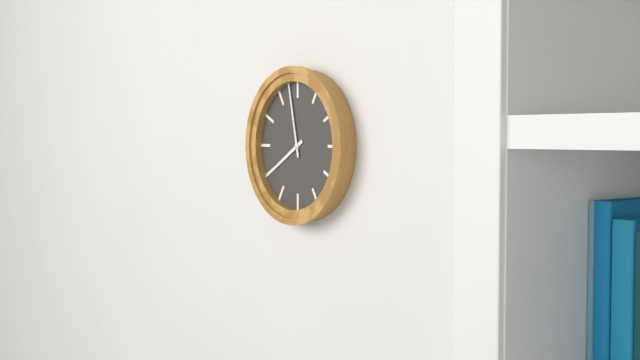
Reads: 7,58
